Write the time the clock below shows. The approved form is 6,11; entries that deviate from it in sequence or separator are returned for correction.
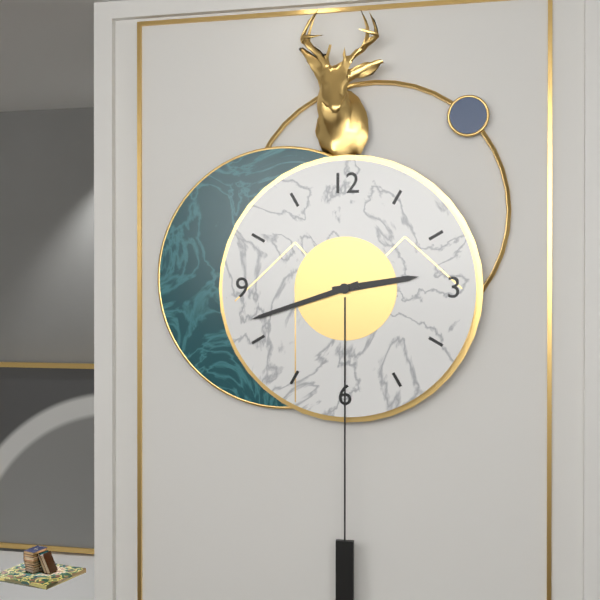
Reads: 2,42
